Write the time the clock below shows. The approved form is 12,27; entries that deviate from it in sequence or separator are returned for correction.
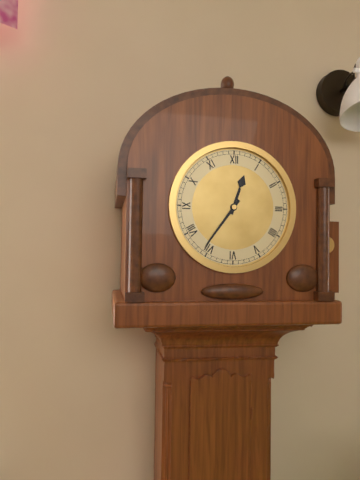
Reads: 12,36
